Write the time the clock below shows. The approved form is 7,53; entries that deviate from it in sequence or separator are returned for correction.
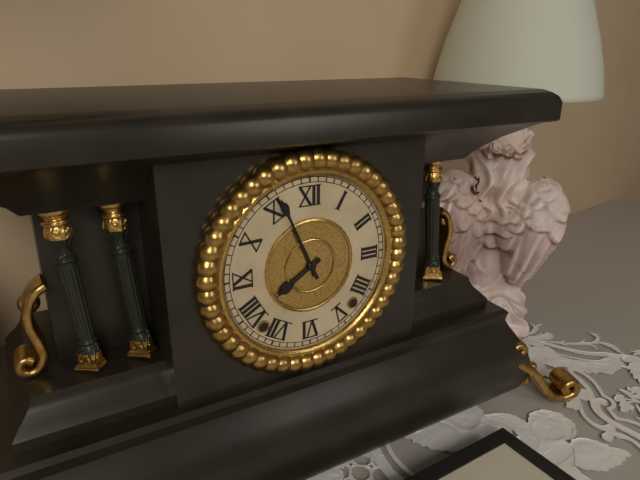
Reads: 7,56
